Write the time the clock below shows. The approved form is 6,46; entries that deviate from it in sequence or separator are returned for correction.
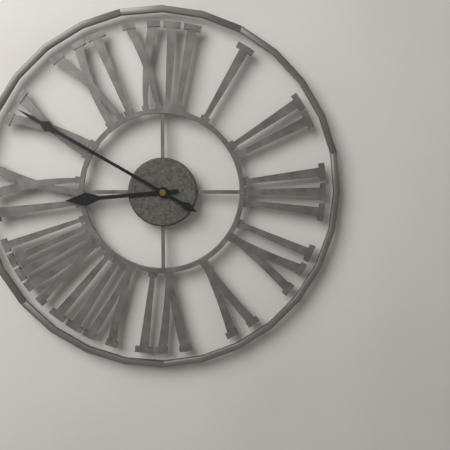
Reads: 8,50
